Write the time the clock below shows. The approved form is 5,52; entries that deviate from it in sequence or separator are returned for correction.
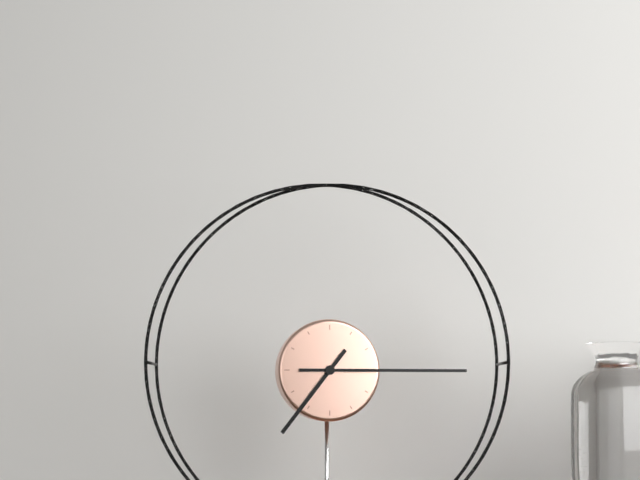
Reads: 7,15
